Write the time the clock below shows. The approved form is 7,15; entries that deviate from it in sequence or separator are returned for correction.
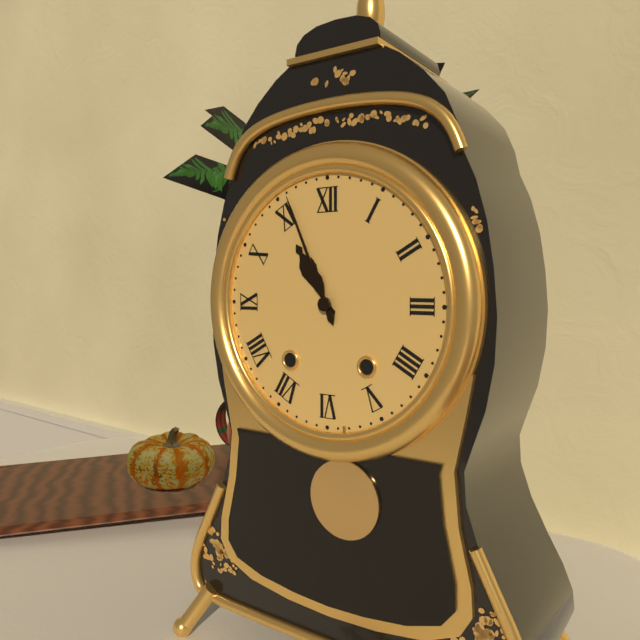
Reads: 10,56
